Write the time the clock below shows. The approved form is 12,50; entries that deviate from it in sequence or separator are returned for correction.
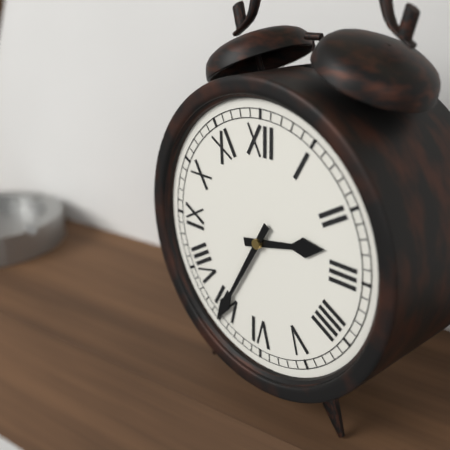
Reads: 2,35
